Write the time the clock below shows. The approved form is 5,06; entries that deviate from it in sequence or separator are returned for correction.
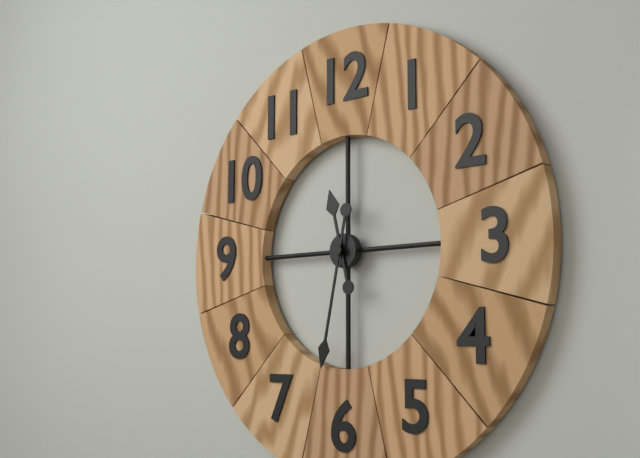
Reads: 11,32
